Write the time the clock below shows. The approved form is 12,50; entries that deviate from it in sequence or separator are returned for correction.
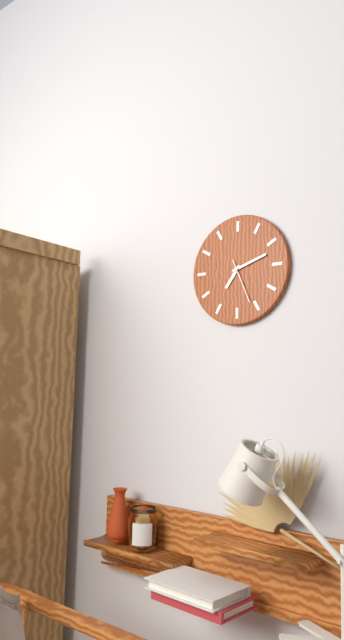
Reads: 7,12
